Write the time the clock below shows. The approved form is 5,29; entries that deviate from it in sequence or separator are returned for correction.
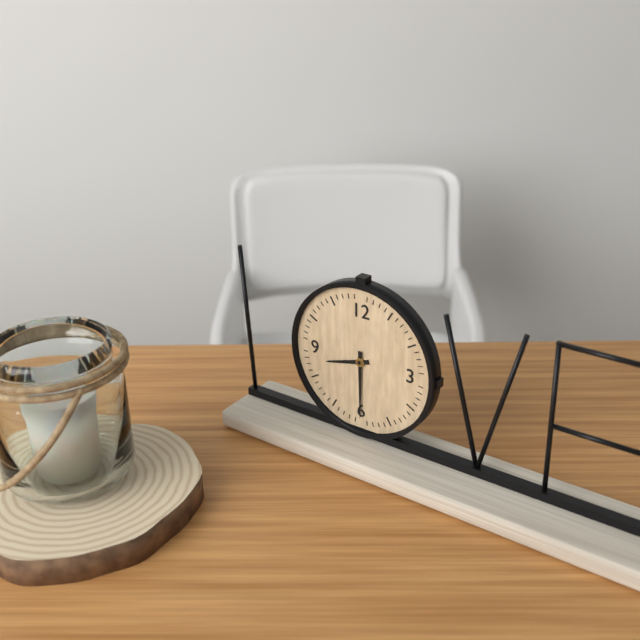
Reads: 8,30
